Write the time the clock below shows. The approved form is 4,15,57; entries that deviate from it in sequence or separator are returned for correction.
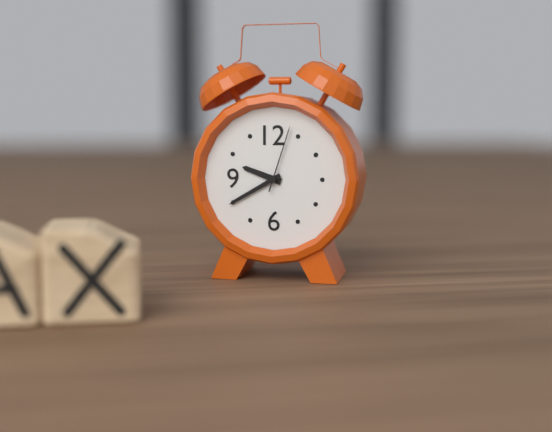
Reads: 9,40,03
